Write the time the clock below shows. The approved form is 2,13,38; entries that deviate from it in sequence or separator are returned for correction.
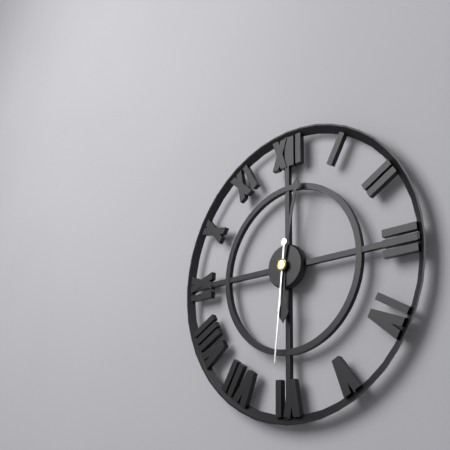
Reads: 6,02,31
